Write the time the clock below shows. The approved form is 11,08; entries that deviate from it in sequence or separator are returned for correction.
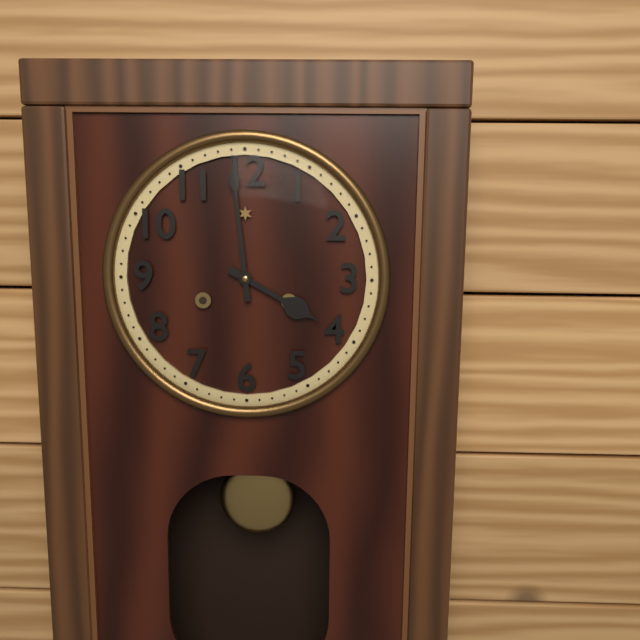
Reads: 3,59
